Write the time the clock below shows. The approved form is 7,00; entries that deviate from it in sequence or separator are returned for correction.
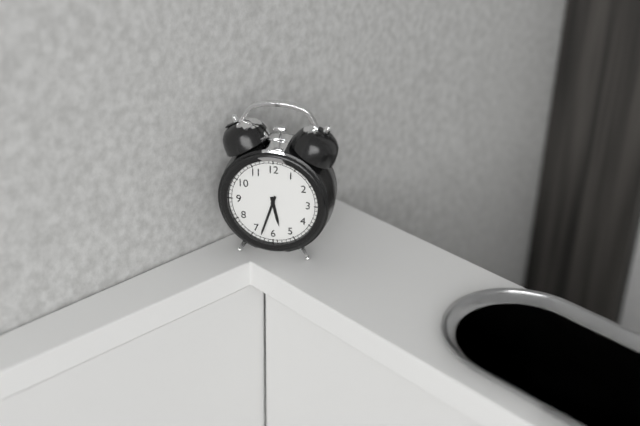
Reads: 5,33
